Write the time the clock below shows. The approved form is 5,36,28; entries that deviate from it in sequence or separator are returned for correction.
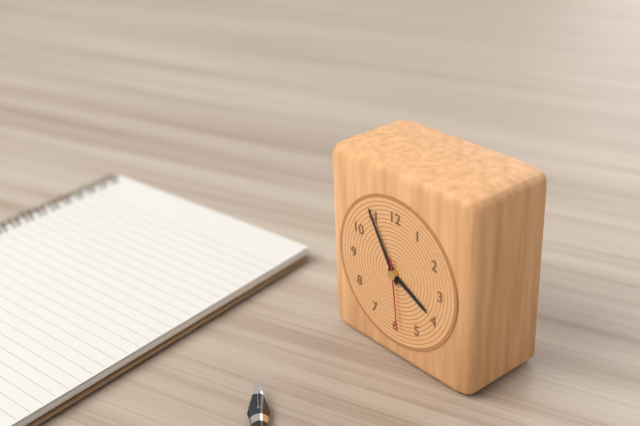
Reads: 3,55,29
